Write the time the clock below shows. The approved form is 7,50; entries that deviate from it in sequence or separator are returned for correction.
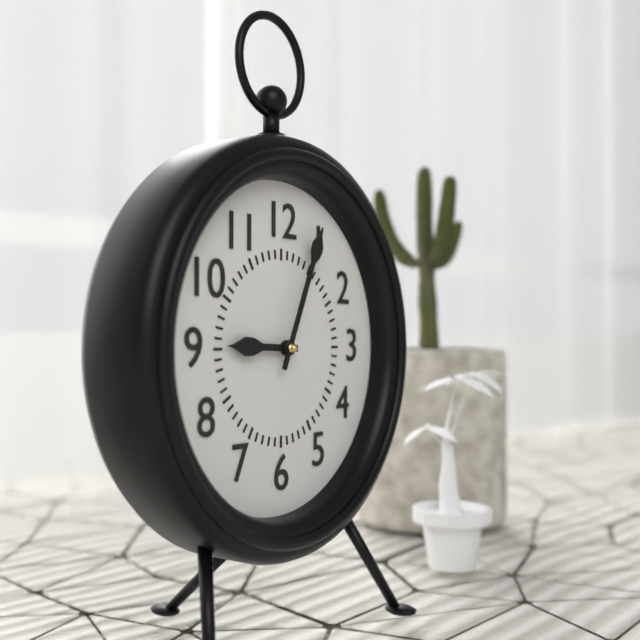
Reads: 9,04
